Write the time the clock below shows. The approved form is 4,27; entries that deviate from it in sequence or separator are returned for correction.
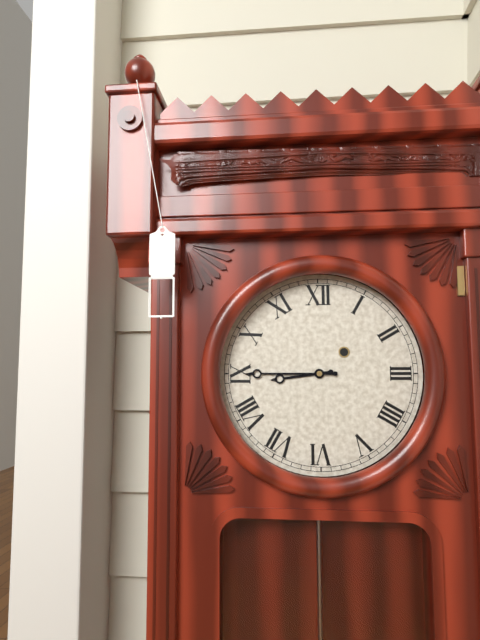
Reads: 8,45
